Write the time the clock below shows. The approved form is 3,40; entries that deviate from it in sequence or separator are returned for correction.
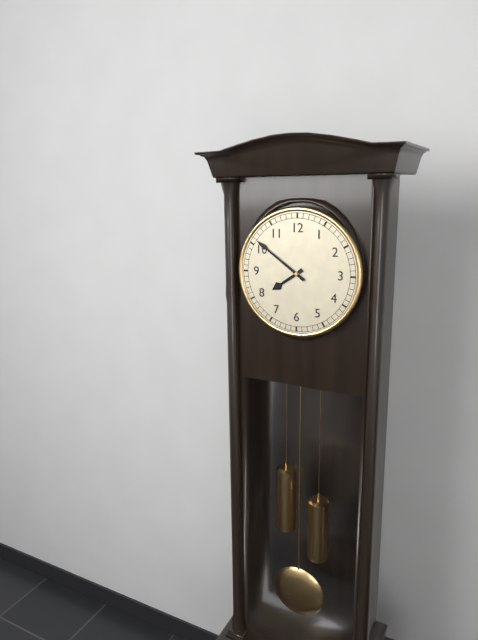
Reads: 7,51
